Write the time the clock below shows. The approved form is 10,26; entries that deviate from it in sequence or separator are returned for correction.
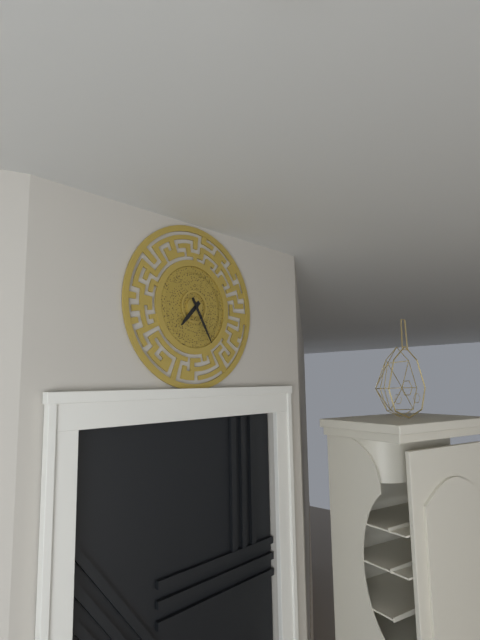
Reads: 7,25
